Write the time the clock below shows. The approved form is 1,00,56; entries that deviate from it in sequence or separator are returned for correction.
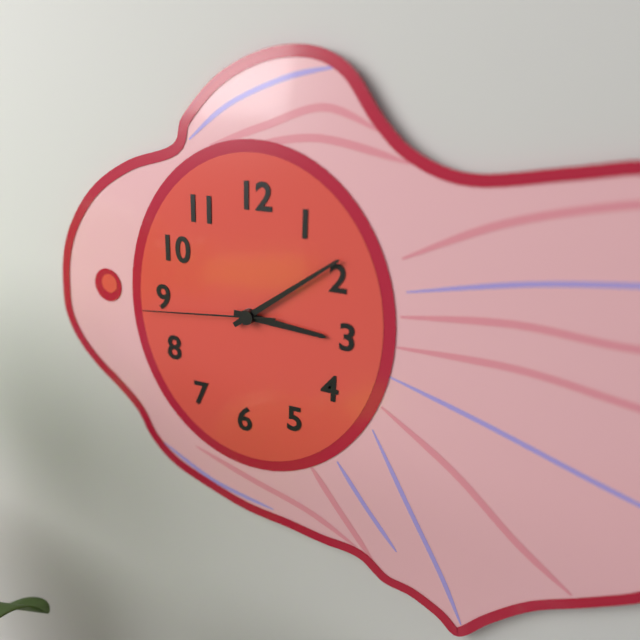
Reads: 3,09,44
